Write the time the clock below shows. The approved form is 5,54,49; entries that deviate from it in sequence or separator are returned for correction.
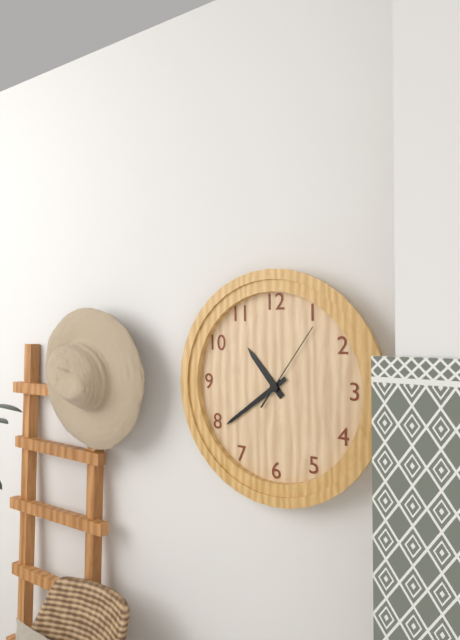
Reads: 10,39,06
